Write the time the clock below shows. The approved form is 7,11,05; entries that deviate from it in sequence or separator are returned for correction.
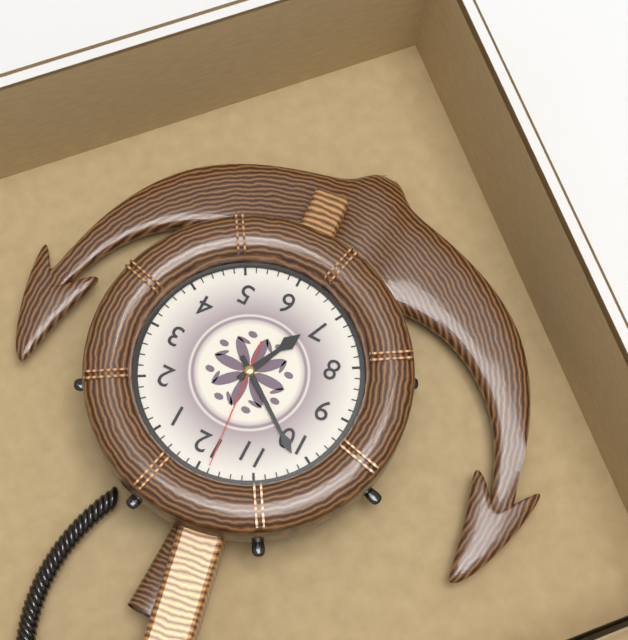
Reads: 6,51,59
